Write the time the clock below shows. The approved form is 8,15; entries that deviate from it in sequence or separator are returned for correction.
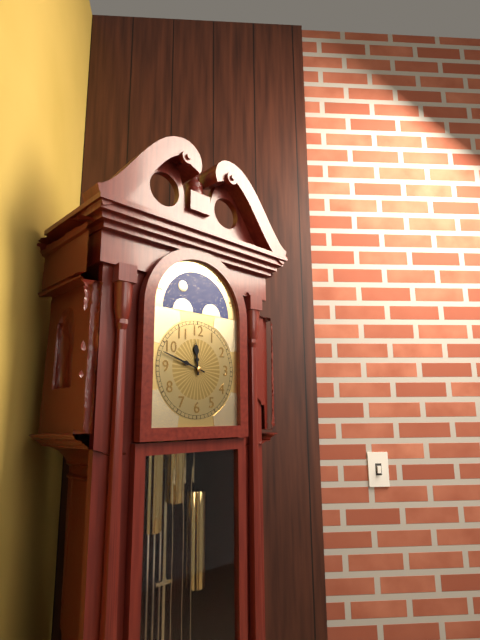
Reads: 11,48
